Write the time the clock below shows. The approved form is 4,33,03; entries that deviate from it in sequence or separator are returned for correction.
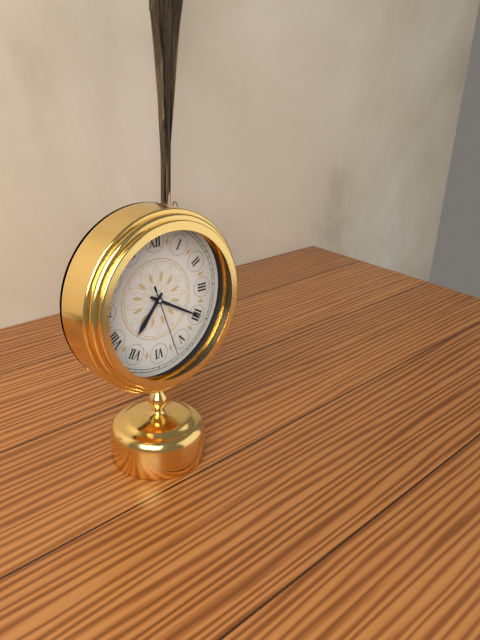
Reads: 7,20,27
